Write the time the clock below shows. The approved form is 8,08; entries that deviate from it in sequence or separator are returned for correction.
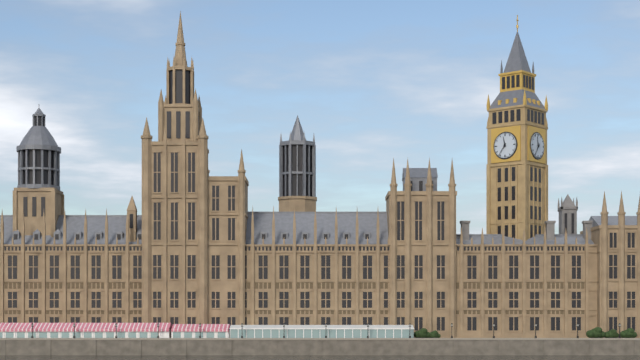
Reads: 11,36
